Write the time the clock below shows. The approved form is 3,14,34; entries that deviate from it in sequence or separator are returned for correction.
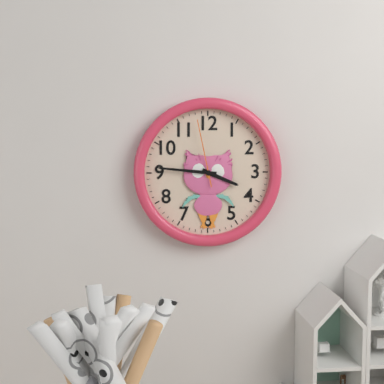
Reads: 3,46,58
